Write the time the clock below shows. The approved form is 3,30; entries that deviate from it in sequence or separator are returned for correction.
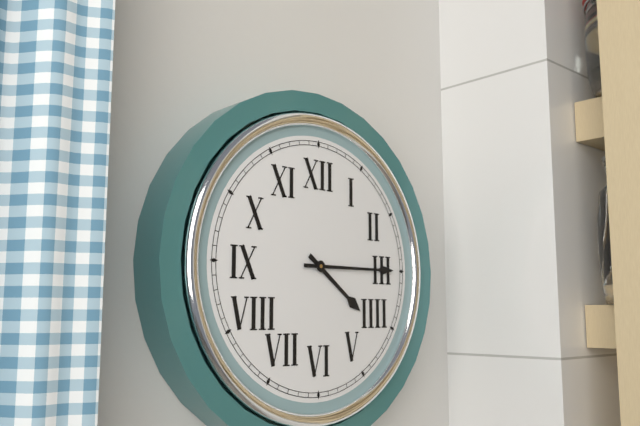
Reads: 4,15
